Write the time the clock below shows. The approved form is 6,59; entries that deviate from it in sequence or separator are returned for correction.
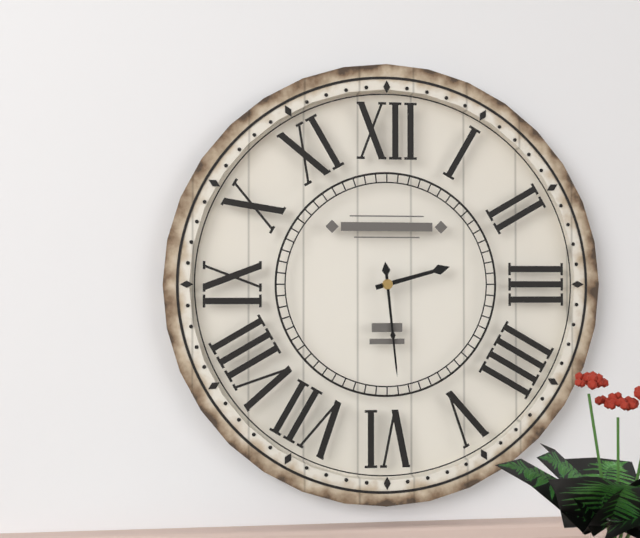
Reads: 2,29
